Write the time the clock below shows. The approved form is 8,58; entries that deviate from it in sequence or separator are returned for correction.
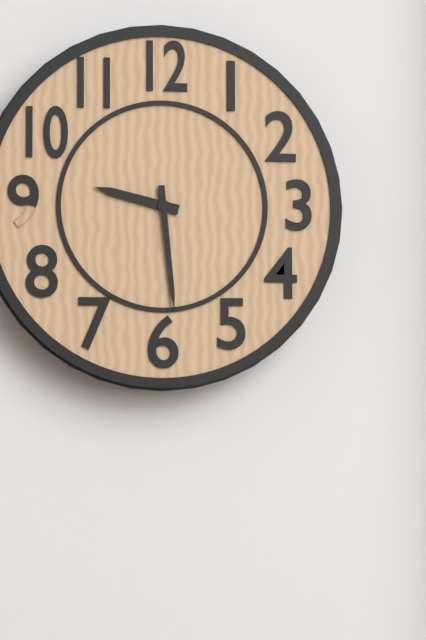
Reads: 9,29
